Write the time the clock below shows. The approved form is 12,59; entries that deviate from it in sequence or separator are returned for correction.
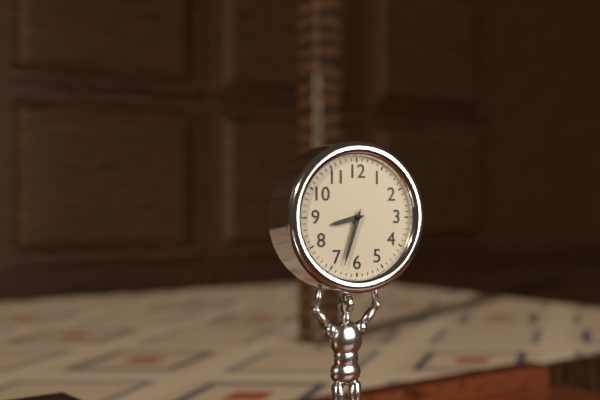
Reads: 8,33
